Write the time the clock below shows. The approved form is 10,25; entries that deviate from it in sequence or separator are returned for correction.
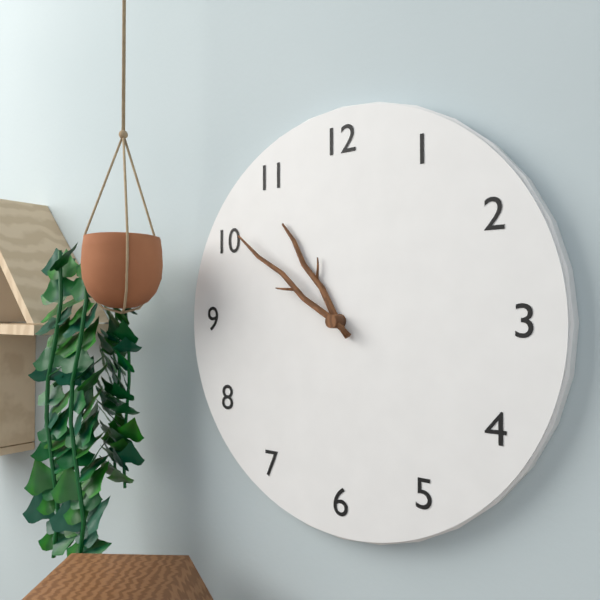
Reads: 10,51
